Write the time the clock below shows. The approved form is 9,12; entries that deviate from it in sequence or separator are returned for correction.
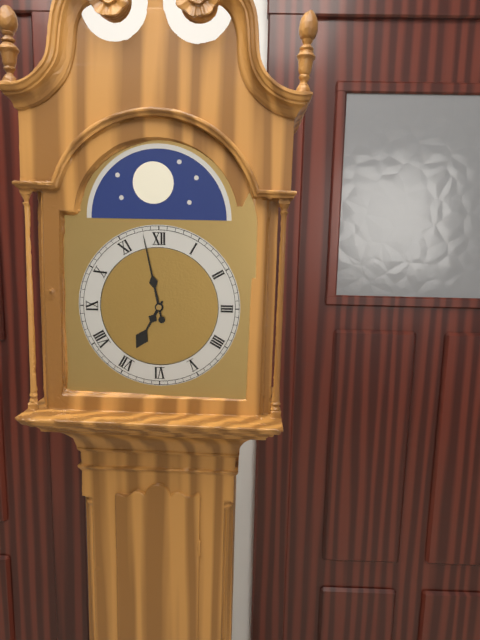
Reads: 6,58
